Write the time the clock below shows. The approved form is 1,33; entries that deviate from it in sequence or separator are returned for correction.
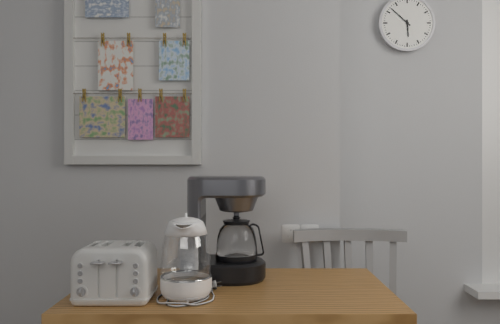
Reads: 5,52
